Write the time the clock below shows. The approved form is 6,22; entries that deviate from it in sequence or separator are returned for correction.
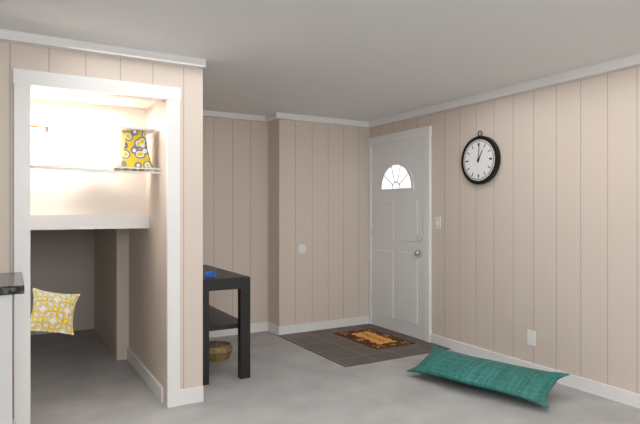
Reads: 1,01
